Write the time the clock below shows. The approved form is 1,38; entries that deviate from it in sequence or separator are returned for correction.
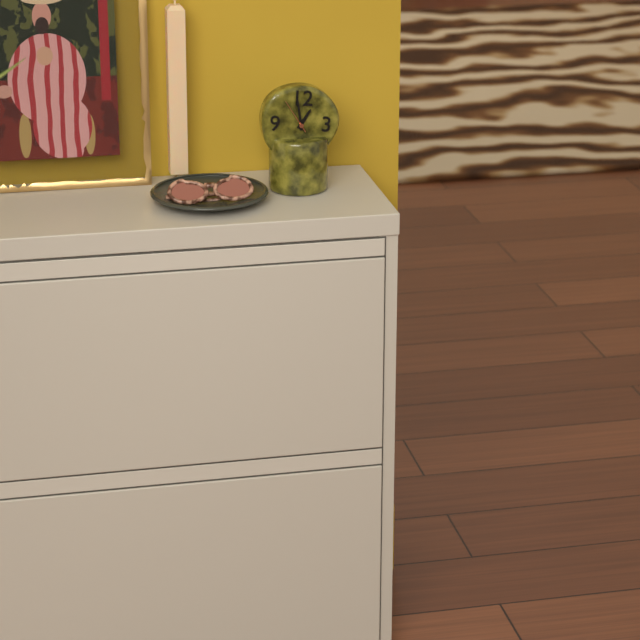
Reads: 12,58
